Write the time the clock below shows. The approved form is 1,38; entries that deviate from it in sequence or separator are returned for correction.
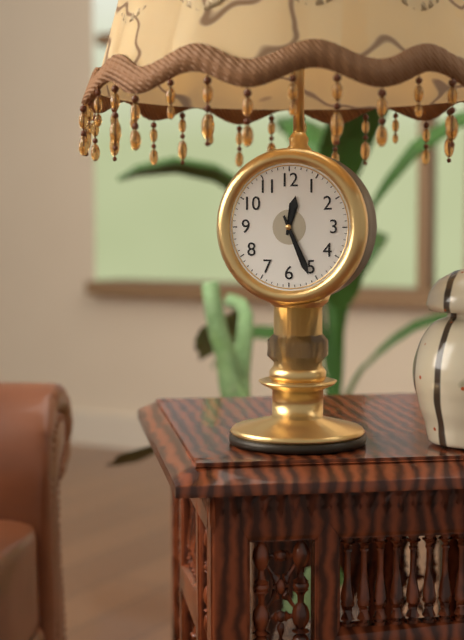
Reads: 12,26
